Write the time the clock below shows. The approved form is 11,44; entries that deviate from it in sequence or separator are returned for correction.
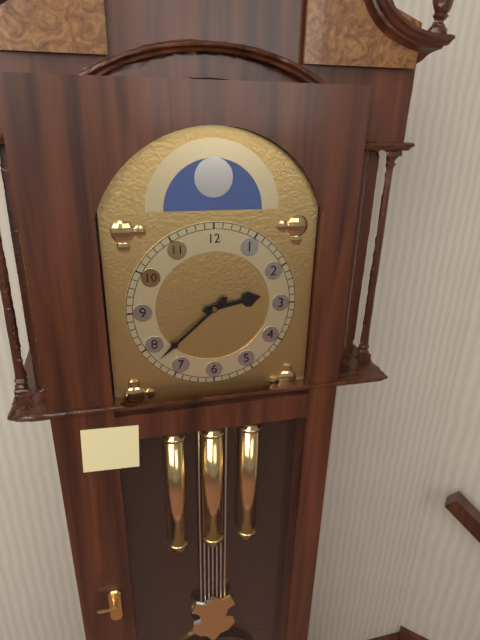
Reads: 2,38
